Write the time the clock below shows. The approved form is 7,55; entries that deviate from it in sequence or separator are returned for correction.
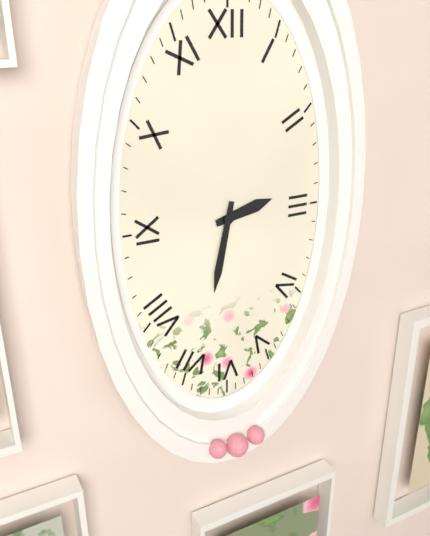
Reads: 2,32
